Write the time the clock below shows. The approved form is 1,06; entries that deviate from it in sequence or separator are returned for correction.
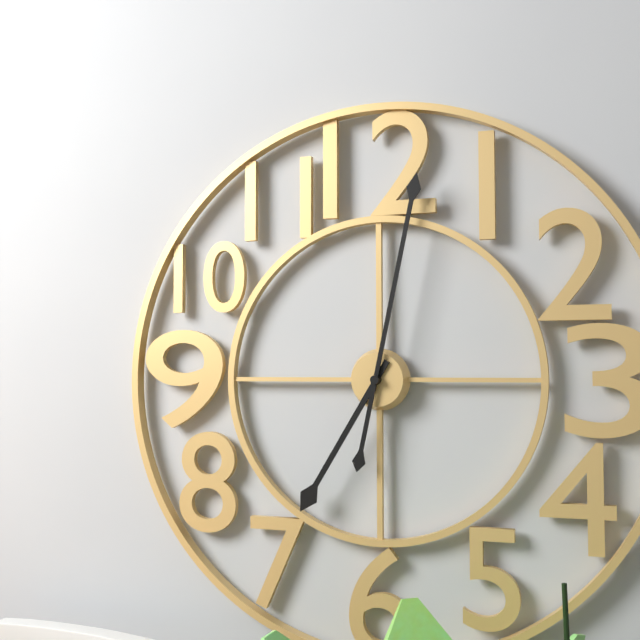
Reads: 7,02
